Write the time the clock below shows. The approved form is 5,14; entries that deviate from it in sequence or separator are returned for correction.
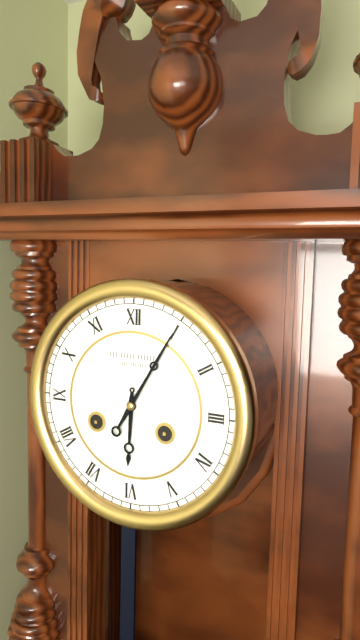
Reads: 6,05
